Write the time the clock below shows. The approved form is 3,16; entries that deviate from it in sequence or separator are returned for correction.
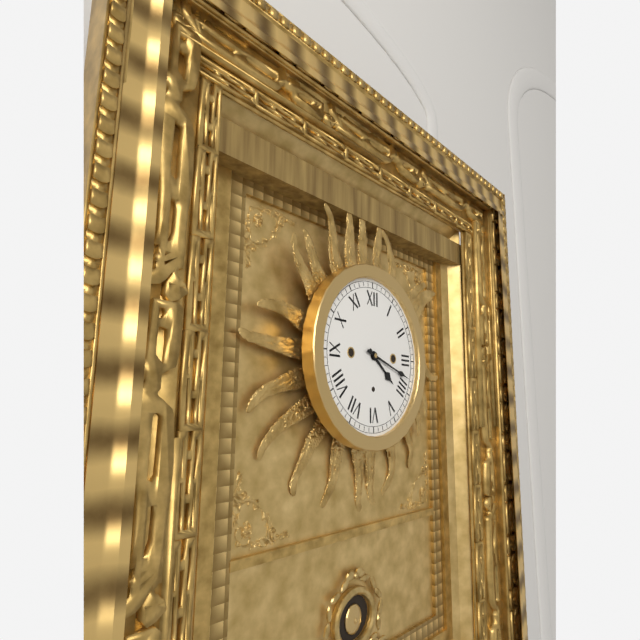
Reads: 4,18
